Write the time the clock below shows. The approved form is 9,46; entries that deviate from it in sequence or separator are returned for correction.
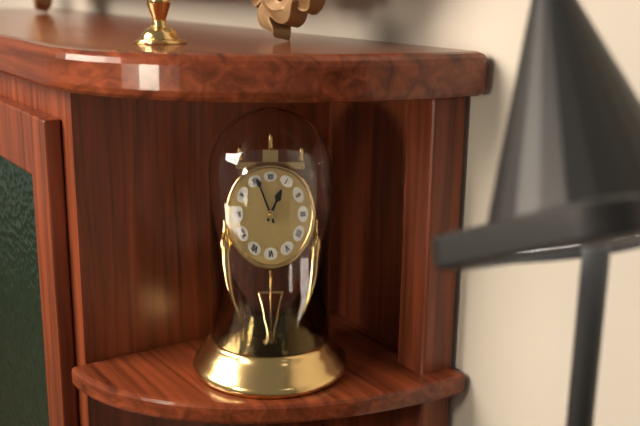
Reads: 12,56
